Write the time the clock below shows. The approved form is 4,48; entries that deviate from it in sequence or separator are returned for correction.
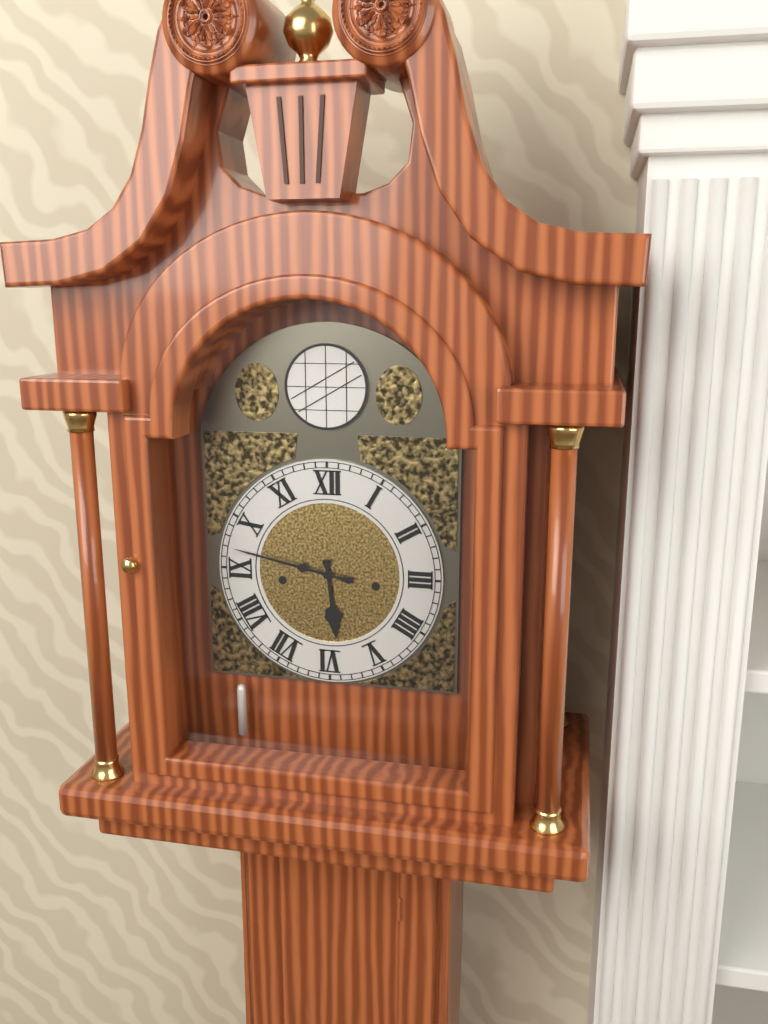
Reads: 5,47
